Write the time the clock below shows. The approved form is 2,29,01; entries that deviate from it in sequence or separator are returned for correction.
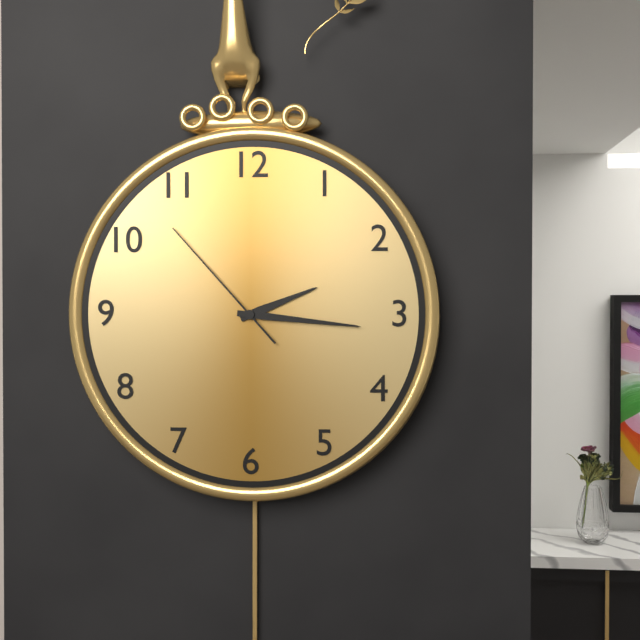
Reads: 2,16,53
